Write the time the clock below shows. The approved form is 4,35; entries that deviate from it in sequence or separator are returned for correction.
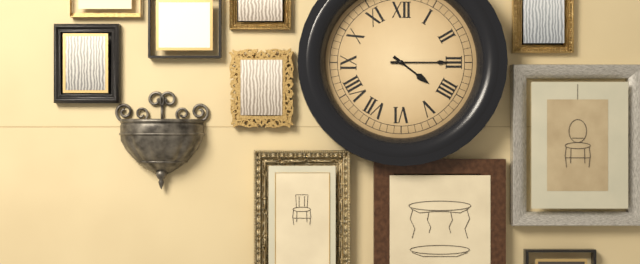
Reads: 4,15
